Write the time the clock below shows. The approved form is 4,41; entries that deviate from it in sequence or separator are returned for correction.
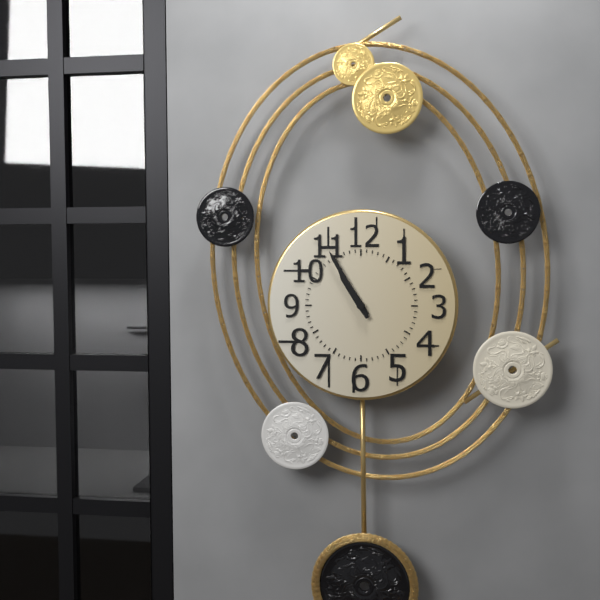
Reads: 10,55
